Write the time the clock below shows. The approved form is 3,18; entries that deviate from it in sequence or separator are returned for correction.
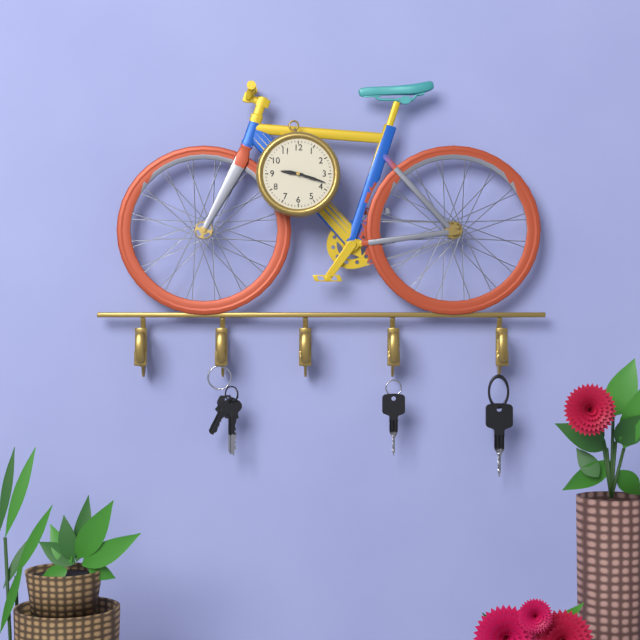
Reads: 9,18
